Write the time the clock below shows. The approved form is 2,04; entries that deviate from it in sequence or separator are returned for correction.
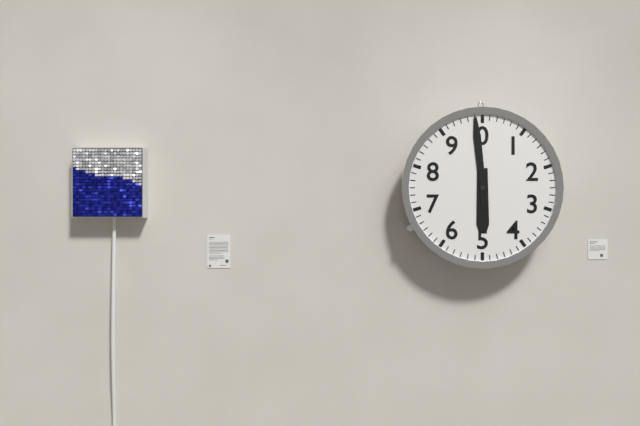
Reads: 5,59
